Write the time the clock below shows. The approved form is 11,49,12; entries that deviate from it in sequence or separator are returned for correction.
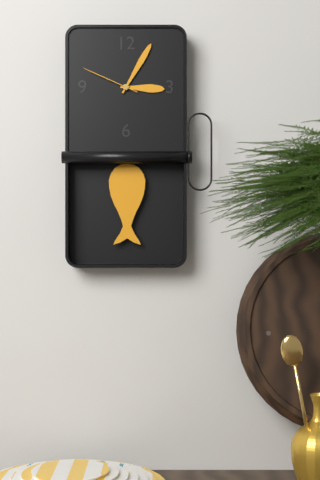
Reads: 3,05,49
